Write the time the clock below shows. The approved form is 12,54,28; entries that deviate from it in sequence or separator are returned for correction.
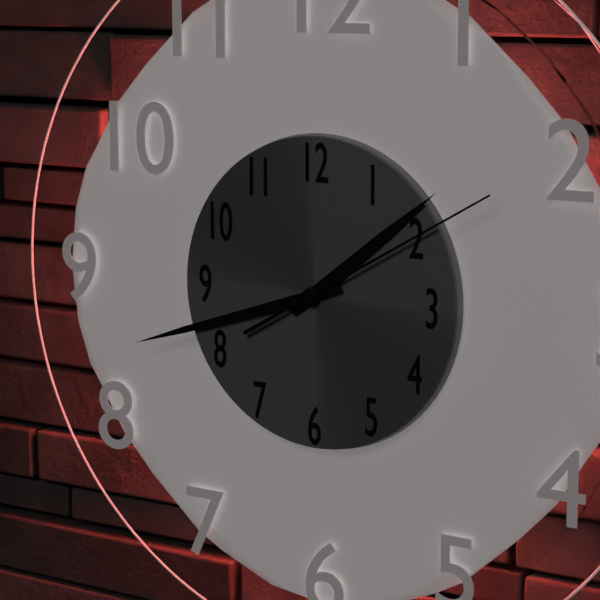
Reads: 1,42,10
